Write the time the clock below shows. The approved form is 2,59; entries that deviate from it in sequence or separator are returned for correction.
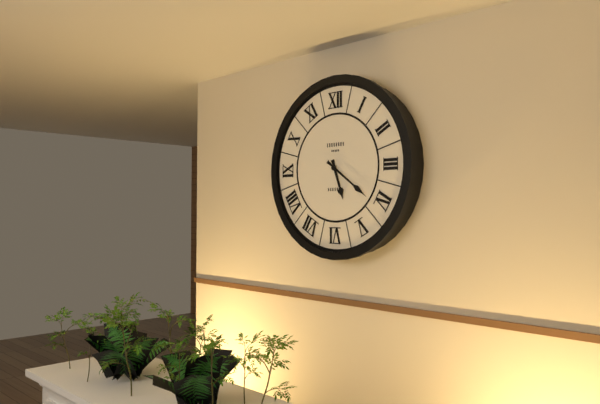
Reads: 5,21
